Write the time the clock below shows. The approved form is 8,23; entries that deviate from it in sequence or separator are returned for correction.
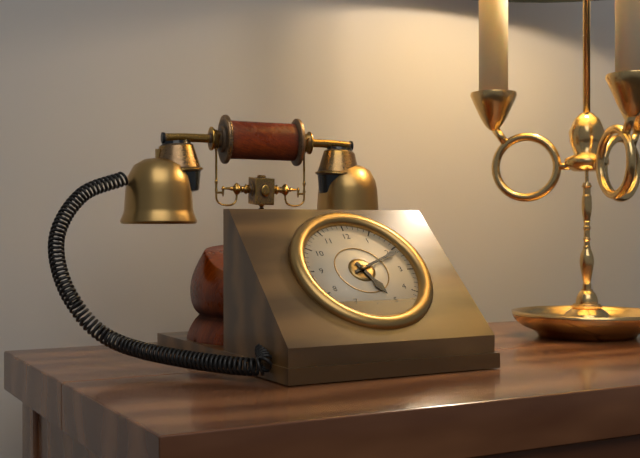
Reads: 5,11
